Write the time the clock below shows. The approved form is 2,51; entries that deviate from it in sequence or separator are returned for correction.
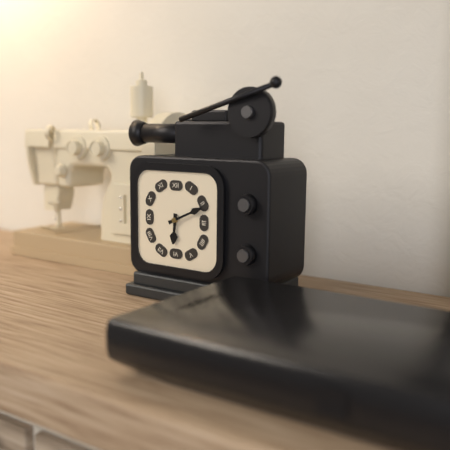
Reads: 6,11
